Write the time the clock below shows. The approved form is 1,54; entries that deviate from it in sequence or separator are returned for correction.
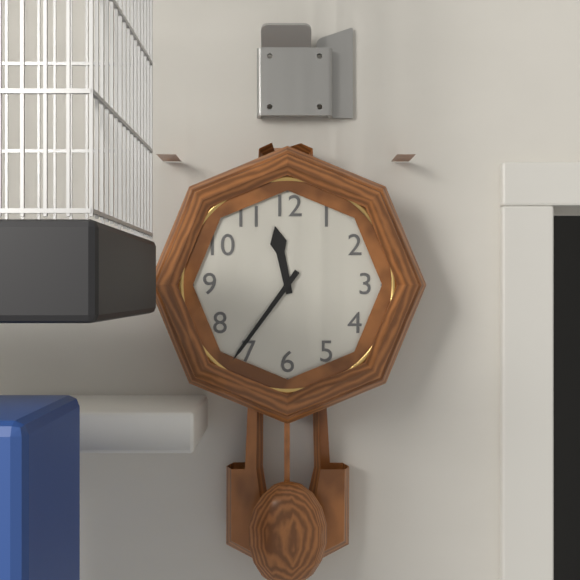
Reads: 11,36
